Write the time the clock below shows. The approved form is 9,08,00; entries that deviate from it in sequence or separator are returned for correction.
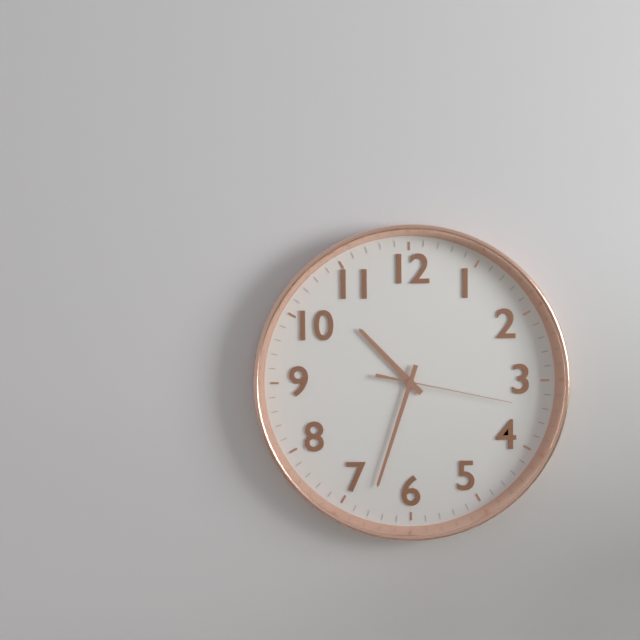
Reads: 10,33,17
